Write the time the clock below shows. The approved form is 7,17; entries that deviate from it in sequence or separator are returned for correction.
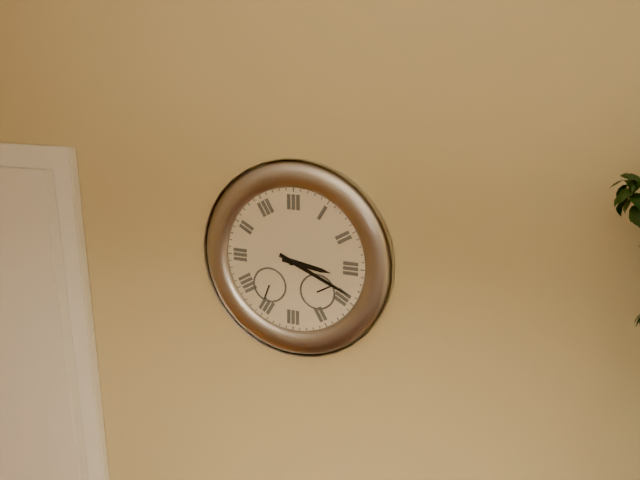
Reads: 3,19
